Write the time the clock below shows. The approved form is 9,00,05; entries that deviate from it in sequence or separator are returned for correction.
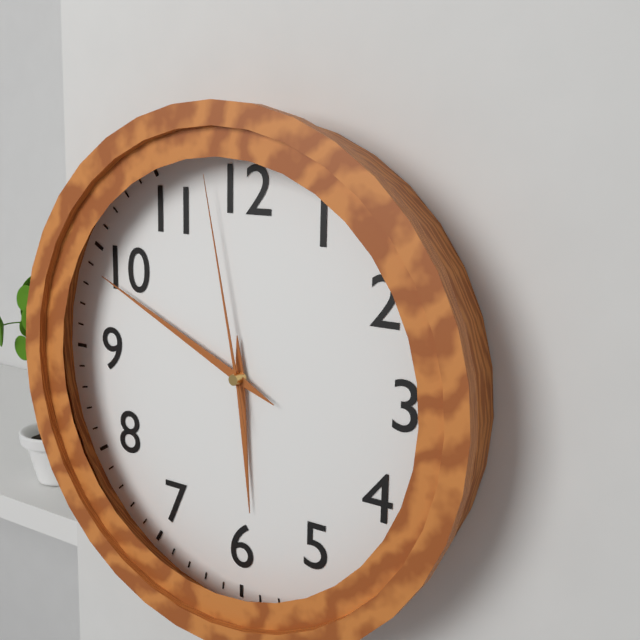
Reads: 5,49,58
